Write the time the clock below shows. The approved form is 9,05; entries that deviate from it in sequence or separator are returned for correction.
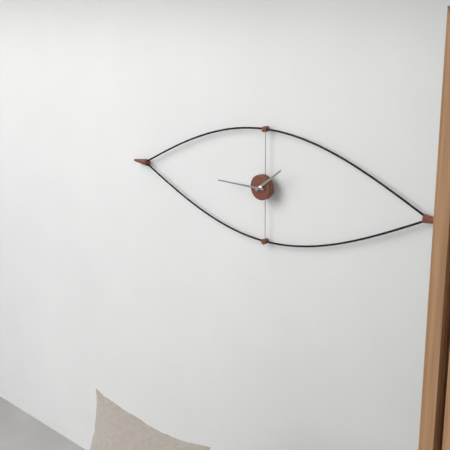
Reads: 1,45
